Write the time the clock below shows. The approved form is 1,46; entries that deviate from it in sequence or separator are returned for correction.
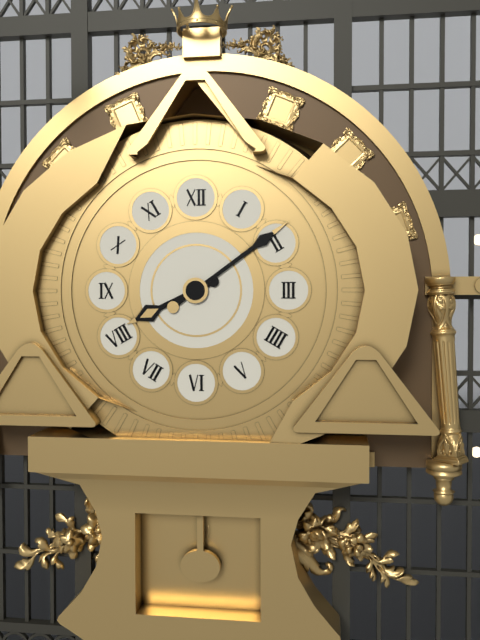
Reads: 8,09
